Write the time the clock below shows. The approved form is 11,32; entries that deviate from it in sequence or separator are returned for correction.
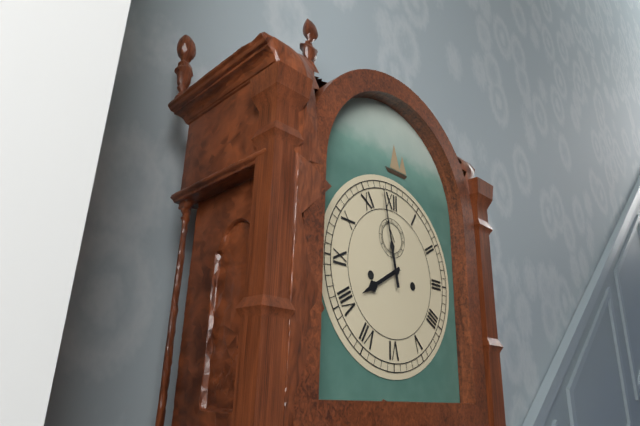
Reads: 7,58
